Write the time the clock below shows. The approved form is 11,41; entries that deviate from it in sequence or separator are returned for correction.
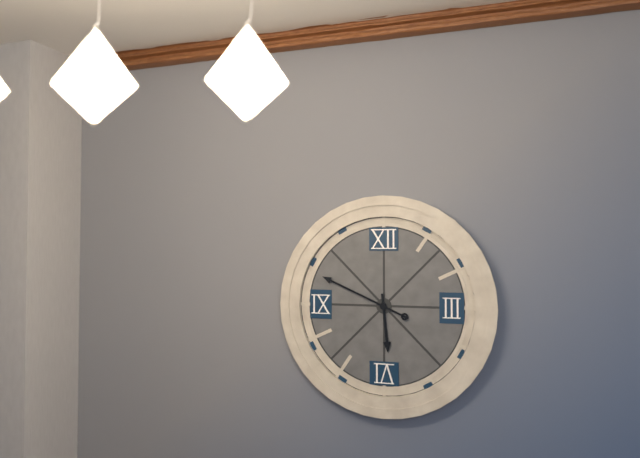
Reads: 5,49
